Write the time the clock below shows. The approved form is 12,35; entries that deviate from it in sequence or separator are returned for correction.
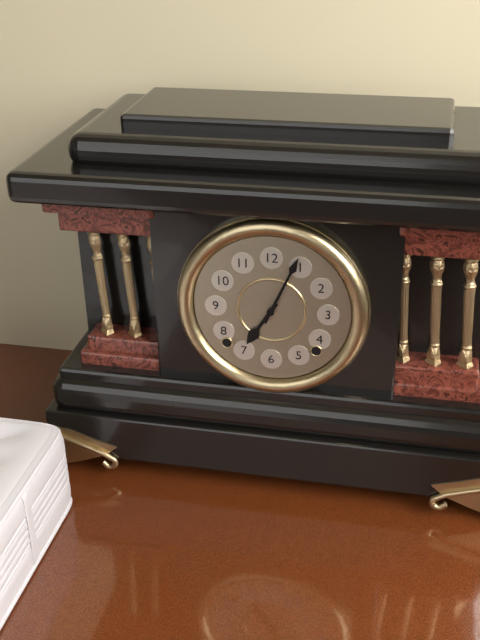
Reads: 7,04
